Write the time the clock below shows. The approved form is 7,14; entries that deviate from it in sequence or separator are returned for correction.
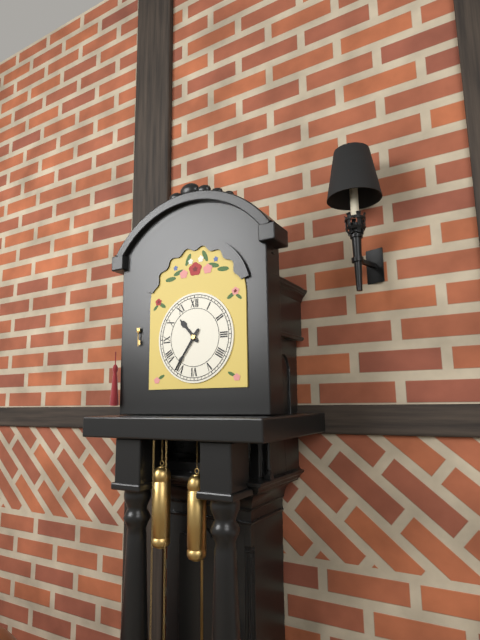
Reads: 10,36
